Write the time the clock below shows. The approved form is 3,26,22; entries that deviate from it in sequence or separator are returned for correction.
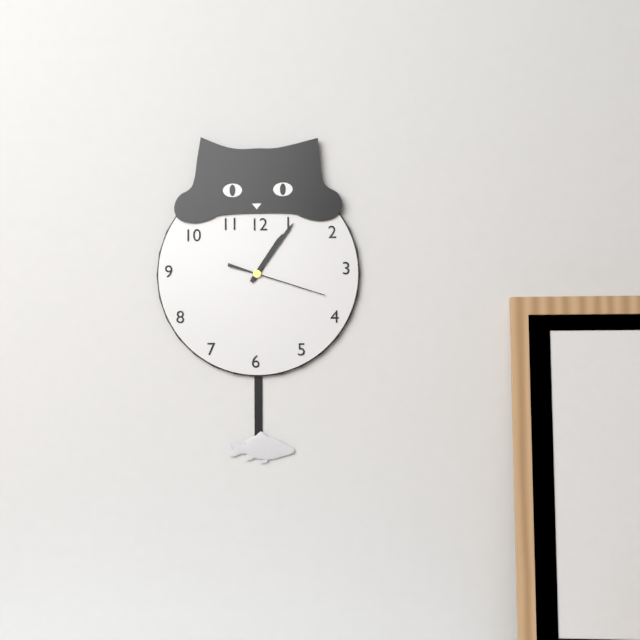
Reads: 1,06,18
